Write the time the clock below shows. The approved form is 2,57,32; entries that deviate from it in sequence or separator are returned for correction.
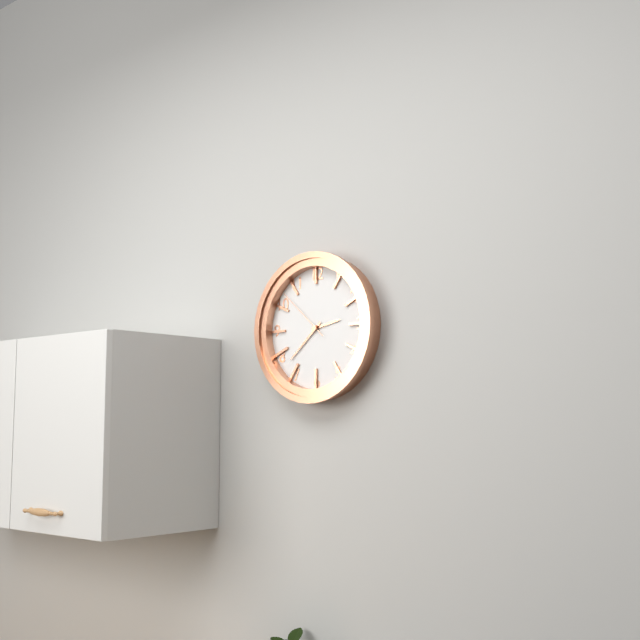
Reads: 2,38,52
